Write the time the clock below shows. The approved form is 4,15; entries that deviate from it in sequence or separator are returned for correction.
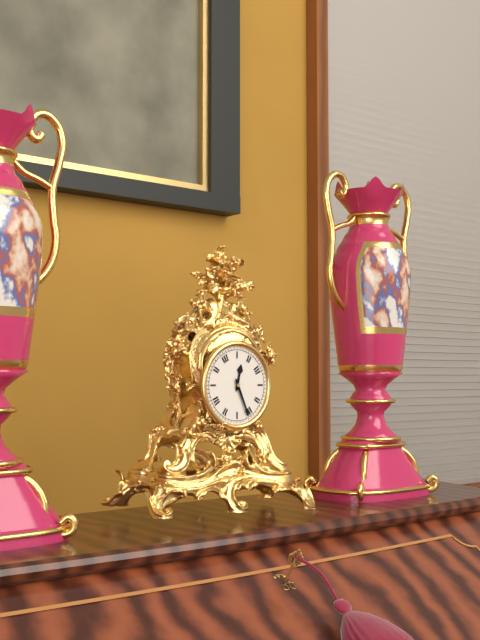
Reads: 12,26
